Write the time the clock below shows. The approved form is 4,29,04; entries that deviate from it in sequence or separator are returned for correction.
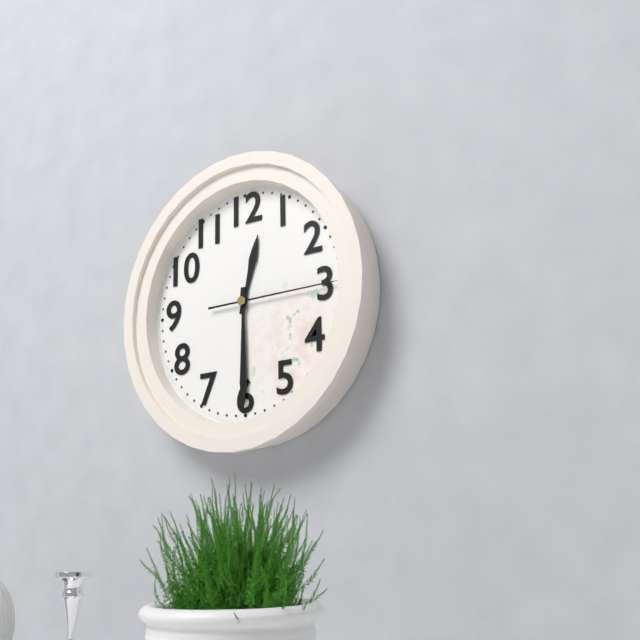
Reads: 12,30,15
